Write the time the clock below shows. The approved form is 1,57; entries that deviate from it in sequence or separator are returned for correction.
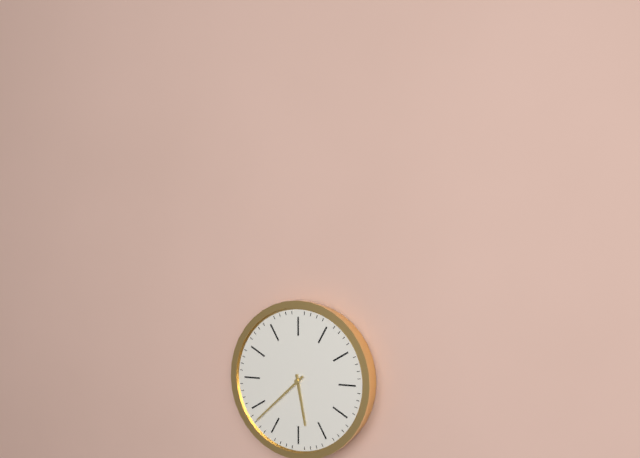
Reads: 5,38
